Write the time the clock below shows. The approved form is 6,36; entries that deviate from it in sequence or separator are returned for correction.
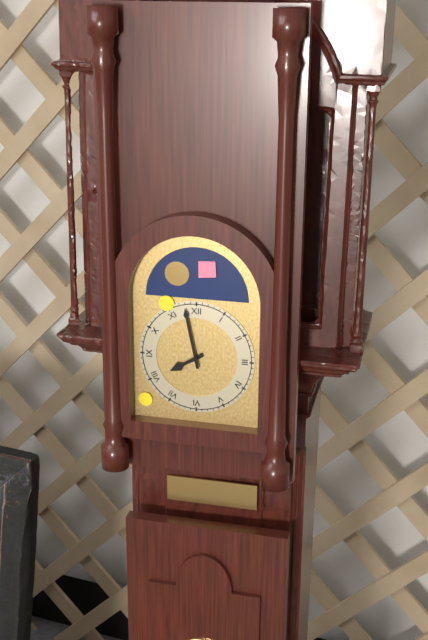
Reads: 7,58
